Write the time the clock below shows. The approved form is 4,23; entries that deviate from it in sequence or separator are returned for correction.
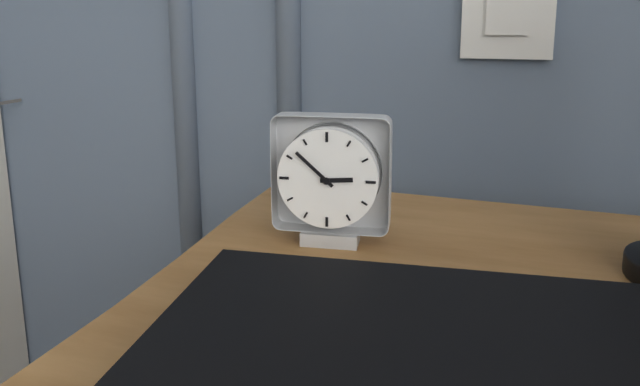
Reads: 2,52
